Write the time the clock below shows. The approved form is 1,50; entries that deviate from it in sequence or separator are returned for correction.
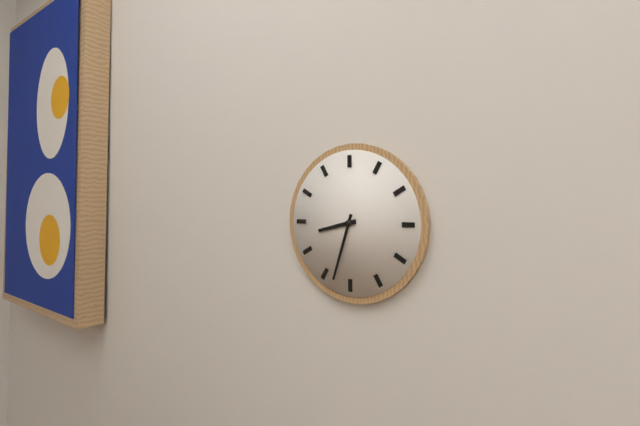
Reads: 8,33
